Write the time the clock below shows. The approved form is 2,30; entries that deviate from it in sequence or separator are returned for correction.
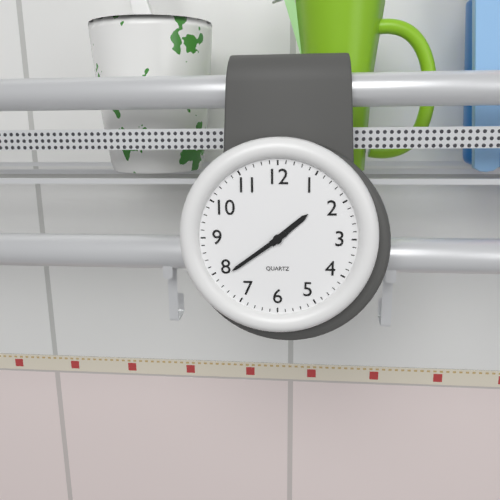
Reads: 1,39
